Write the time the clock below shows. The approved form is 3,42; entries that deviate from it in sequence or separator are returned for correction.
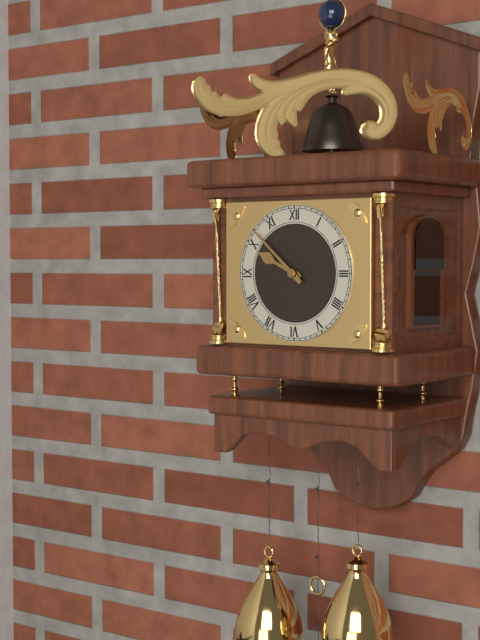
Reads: 9,52
